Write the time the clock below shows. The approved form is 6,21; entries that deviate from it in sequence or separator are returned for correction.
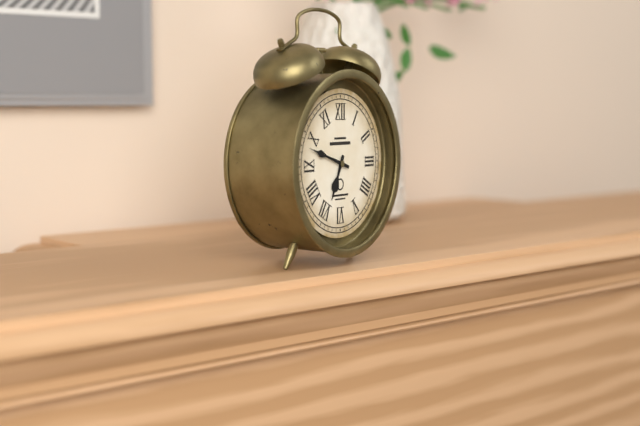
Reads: 6,48
